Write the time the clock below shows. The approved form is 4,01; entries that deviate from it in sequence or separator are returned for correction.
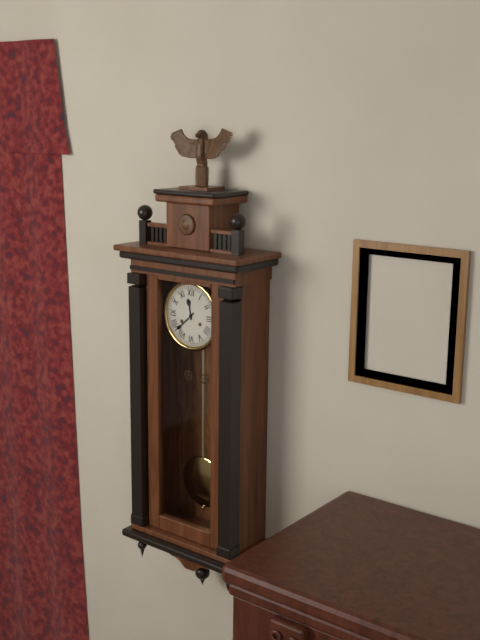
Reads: 11,38
